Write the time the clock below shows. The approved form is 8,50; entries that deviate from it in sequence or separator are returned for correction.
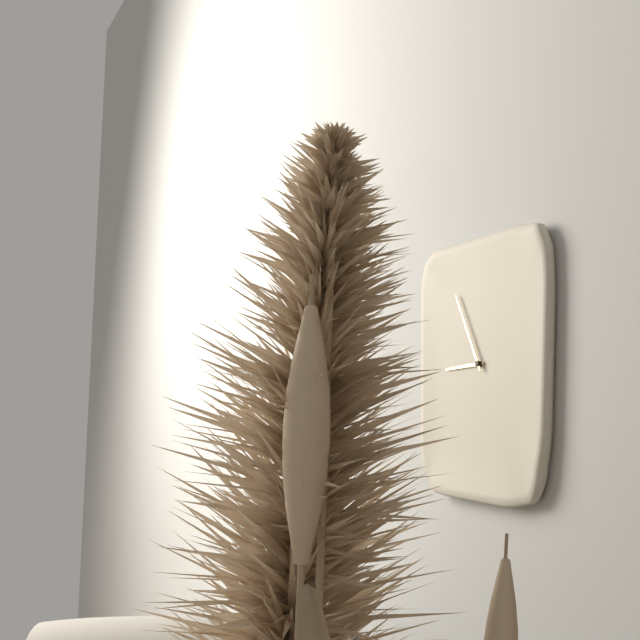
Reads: 8,55
